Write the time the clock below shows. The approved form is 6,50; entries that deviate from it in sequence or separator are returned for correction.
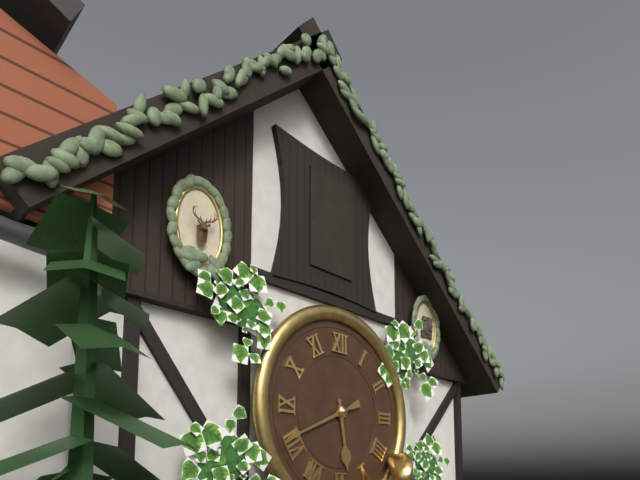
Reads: 5,41
